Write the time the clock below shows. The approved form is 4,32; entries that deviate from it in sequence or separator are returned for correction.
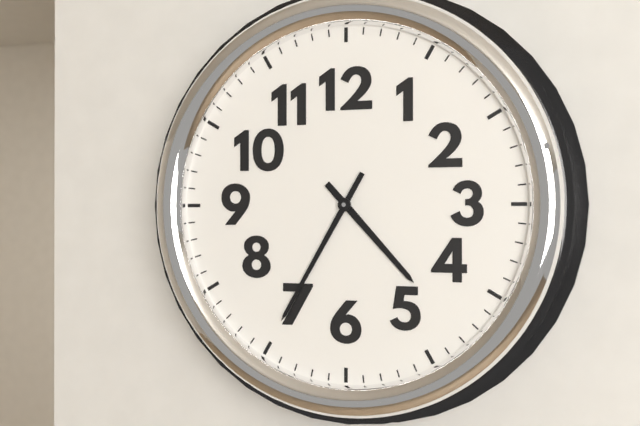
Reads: 4,35
